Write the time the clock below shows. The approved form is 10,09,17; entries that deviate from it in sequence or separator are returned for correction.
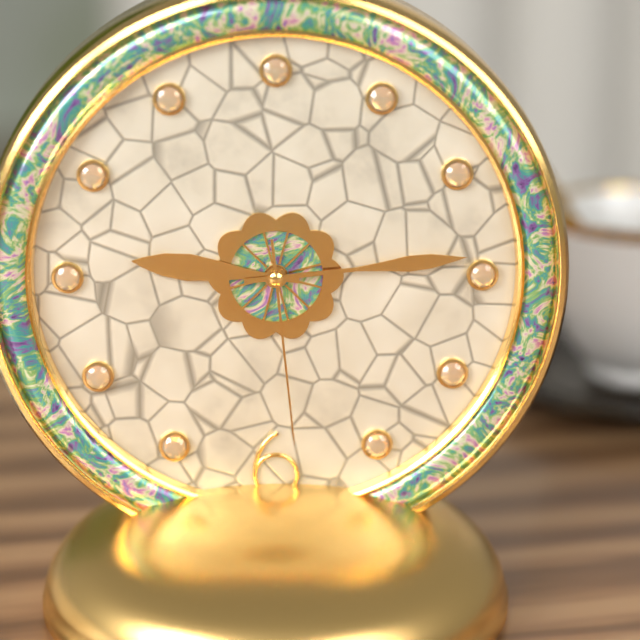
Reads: 9,14,29
